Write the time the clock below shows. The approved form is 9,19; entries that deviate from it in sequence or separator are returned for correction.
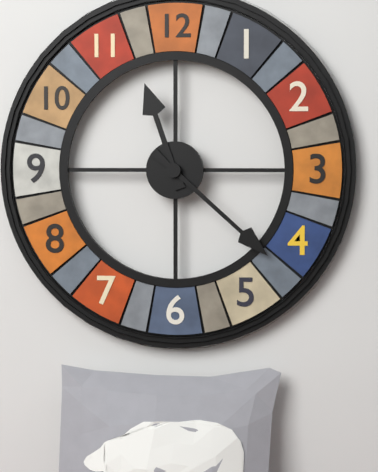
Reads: 11,22
